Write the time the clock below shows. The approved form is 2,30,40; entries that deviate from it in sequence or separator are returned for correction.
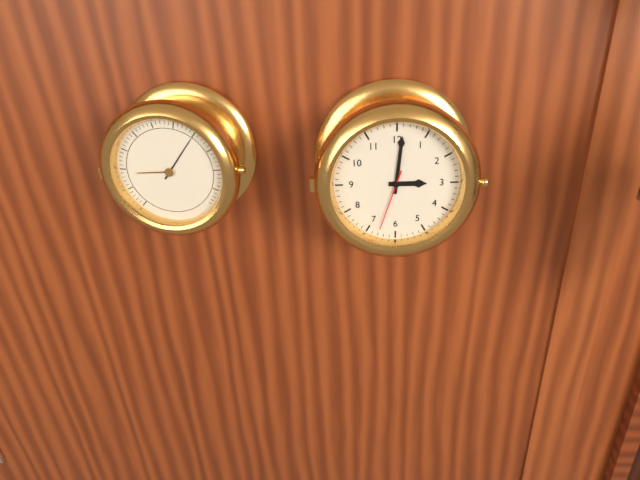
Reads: 3,01,33
